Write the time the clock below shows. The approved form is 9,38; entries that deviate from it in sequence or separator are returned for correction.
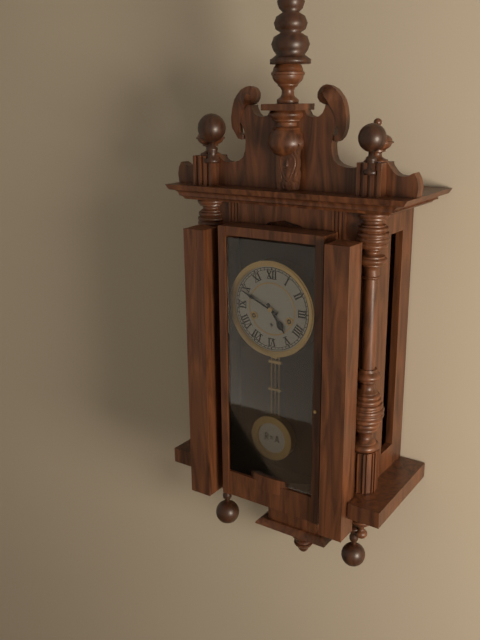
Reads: 4,49
